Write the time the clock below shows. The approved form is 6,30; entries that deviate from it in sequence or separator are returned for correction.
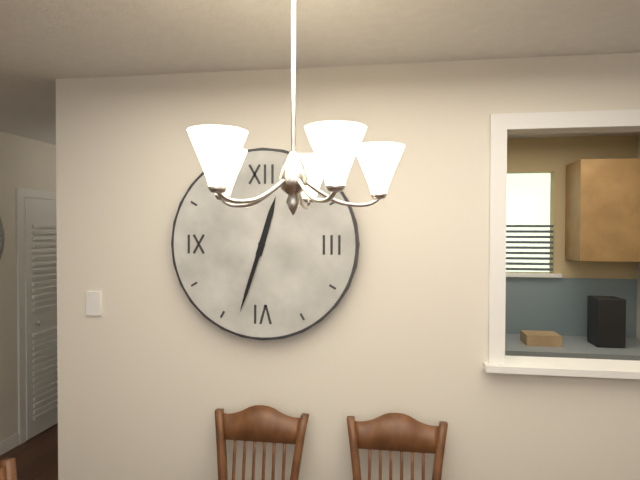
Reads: 12,33
